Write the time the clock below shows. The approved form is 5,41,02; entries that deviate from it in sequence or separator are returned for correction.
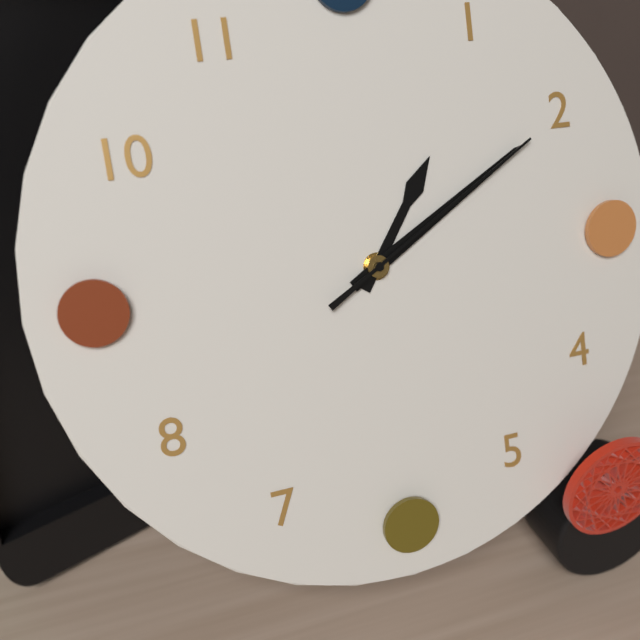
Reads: 1,10,10
